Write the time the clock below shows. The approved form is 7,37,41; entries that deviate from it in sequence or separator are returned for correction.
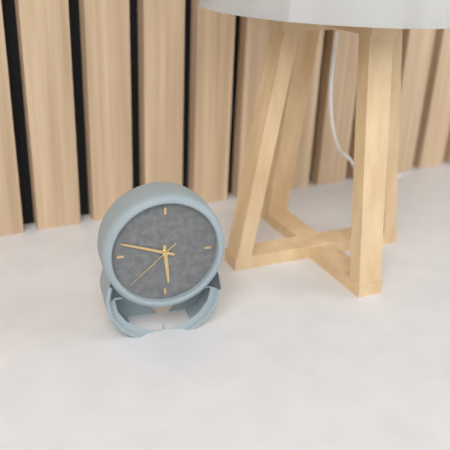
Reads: 5,48,38
